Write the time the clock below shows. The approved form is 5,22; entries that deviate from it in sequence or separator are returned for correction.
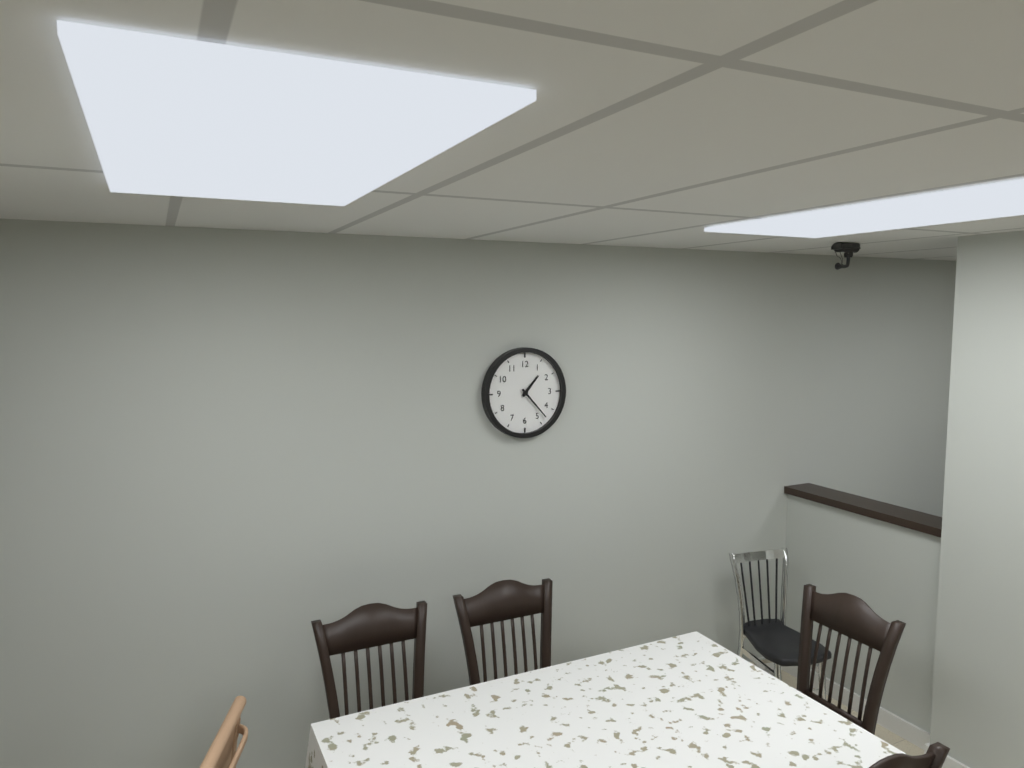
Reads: 1,23
